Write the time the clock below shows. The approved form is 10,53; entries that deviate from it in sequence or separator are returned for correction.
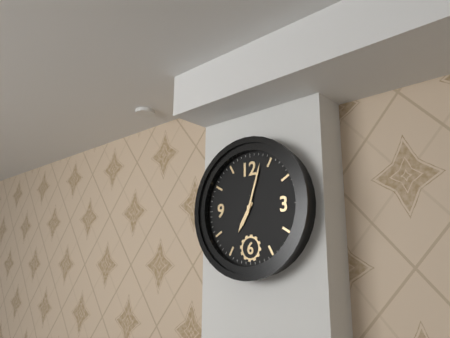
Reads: 7,03
